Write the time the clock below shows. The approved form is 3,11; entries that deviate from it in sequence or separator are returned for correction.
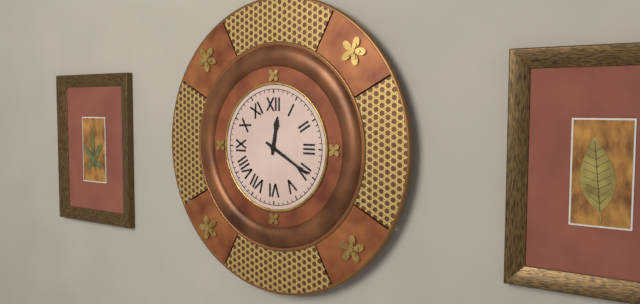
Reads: 12,20
